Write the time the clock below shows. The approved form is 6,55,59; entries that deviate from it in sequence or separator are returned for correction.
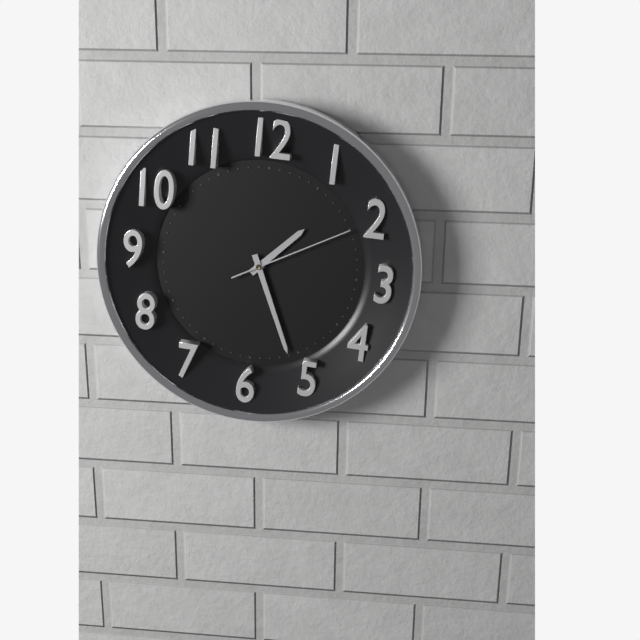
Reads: 1,26,10
